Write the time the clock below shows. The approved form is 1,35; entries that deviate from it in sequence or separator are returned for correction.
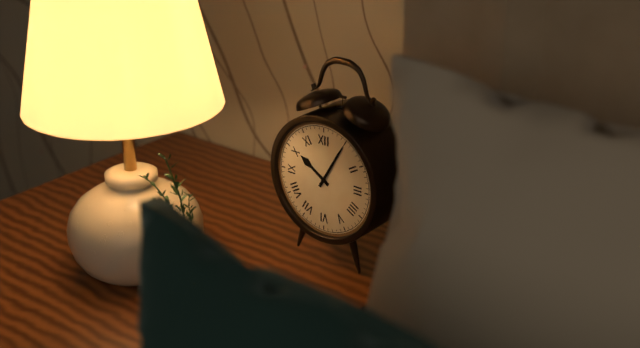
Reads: 10,05
